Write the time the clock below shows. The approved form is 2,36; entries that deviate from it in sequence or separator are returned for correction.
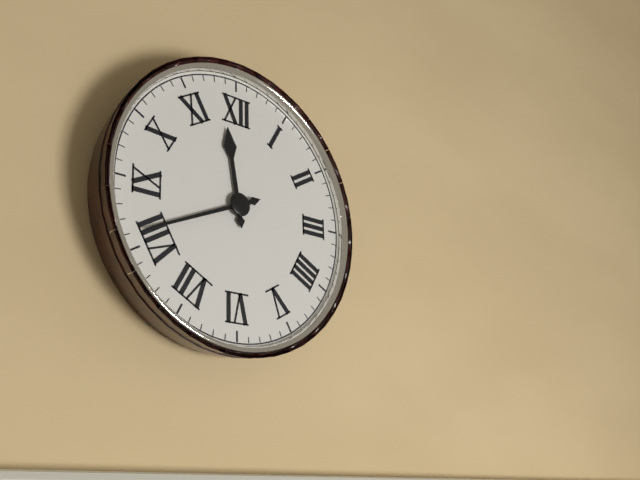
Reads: 11,41
